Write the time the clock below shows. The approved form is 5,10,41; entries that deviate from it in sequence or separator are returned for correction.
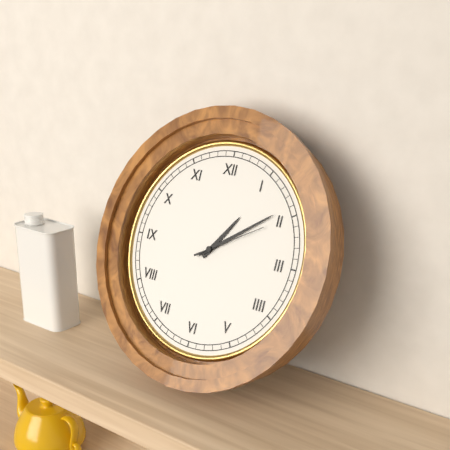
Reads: 1,09,10
